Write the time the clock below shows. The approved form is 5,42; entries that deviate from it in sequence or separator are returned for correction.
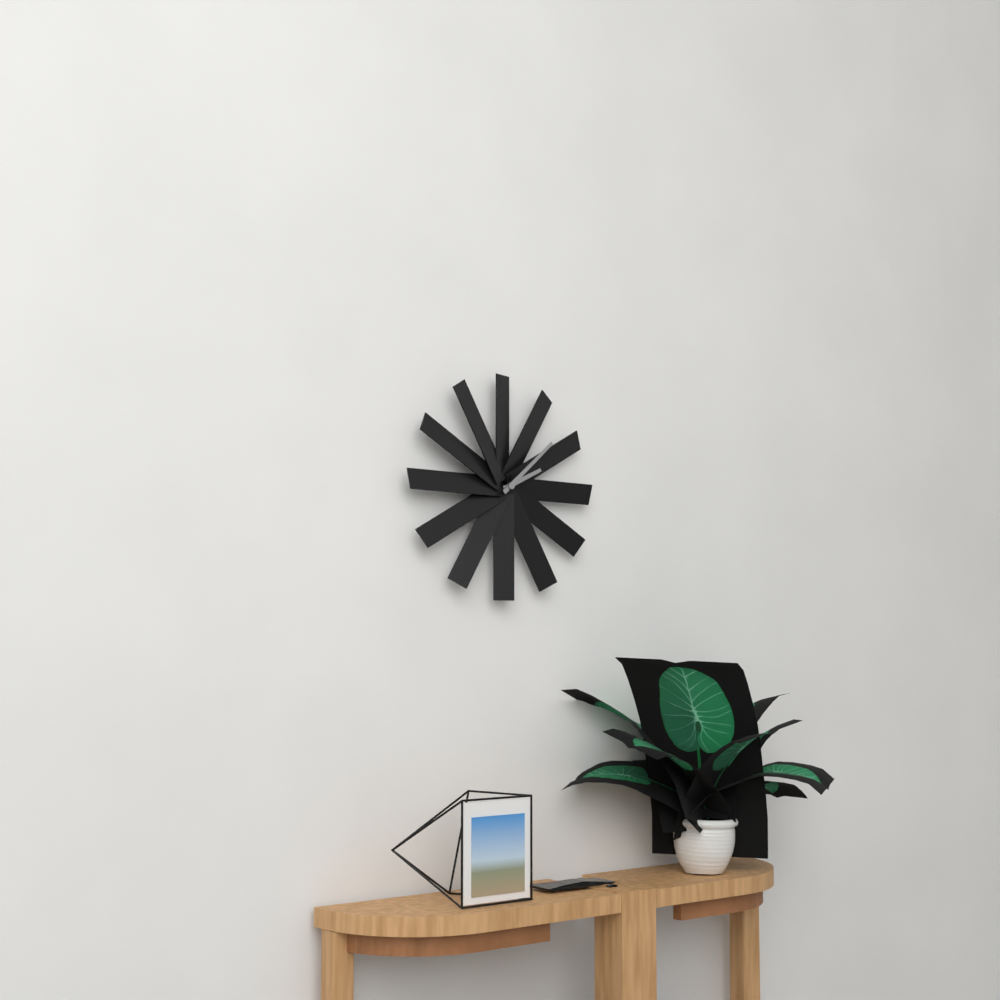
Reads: 2,08
